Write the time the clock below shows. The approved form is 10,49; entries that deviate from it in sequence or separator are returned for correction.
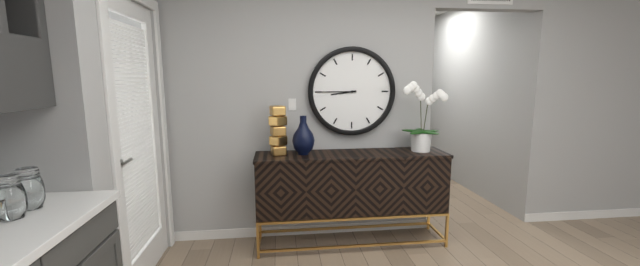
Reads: 8,45
